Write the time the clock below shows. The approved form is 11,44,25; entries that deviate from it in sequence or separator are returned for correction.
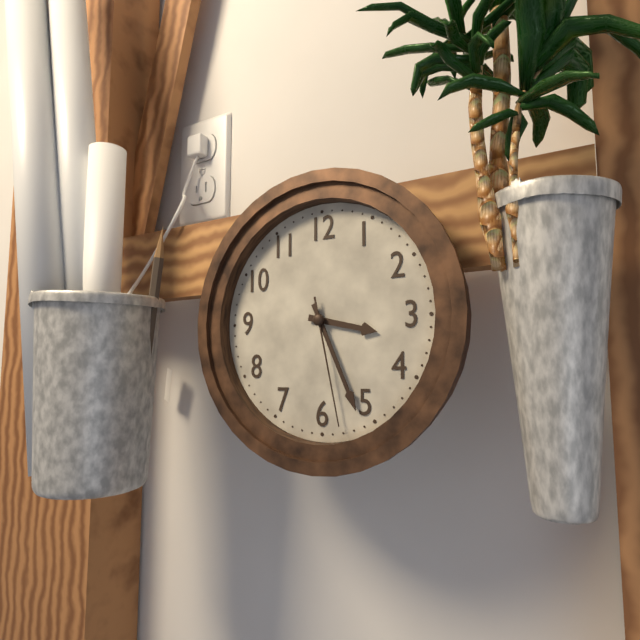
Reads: 3,26,28
